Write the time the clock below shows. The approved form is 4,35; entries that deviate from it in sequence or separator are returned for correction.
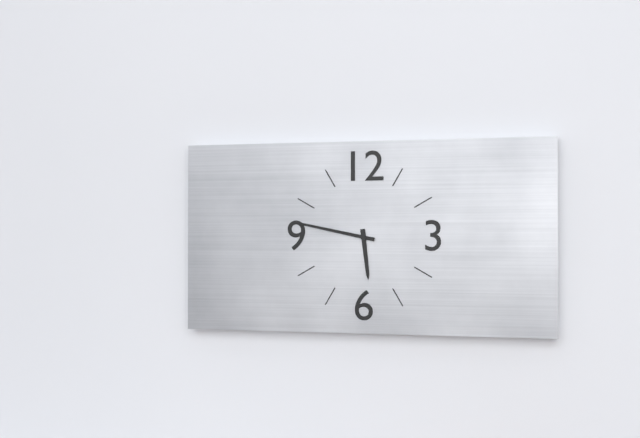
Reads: 5,47
